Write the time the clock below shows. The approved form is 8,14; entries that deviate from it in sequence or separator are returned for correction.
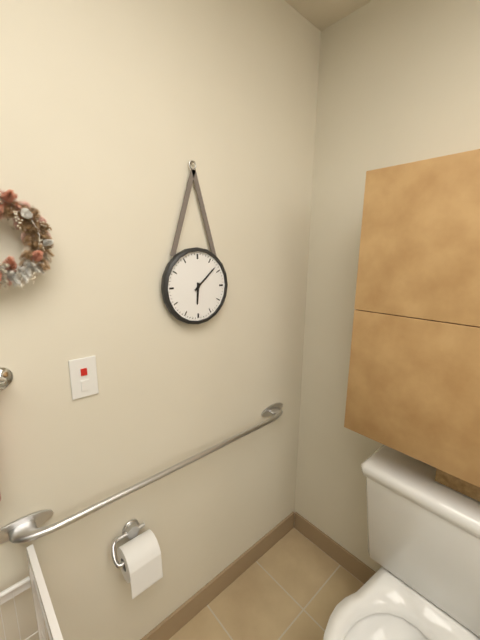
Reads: 6,08
